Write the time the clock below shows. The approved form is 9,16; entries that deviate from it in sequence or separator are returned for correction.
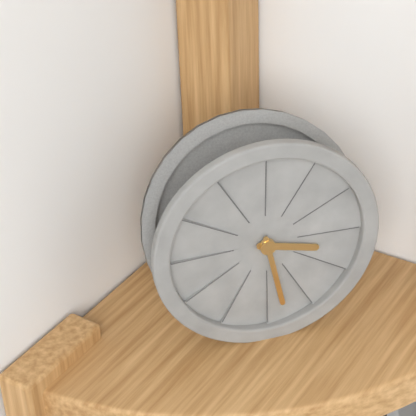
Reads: 3,28
